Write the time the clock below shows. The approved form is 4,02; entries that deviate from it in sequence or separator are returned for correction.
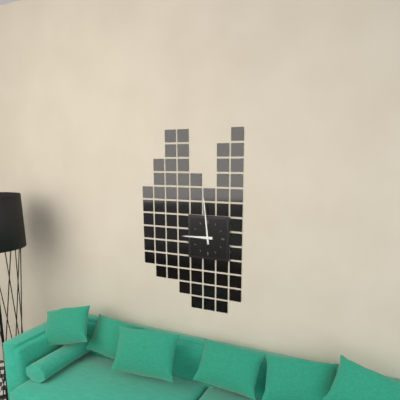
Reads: 8,59
